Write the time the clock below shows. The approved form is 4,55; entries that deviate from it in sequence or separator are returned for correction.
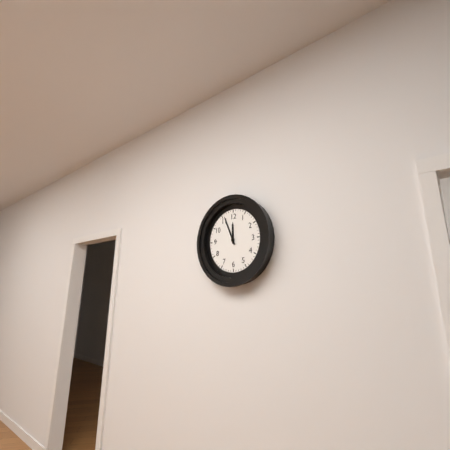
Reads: 11,56
